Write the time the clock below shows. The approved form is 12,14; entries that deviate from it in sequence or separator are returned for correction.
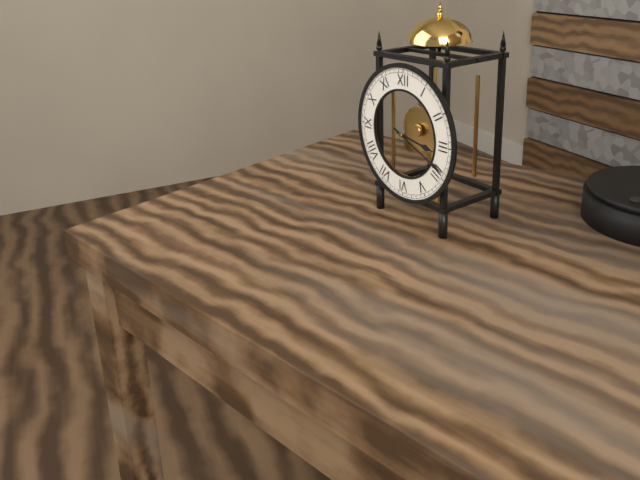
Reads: 3,19
